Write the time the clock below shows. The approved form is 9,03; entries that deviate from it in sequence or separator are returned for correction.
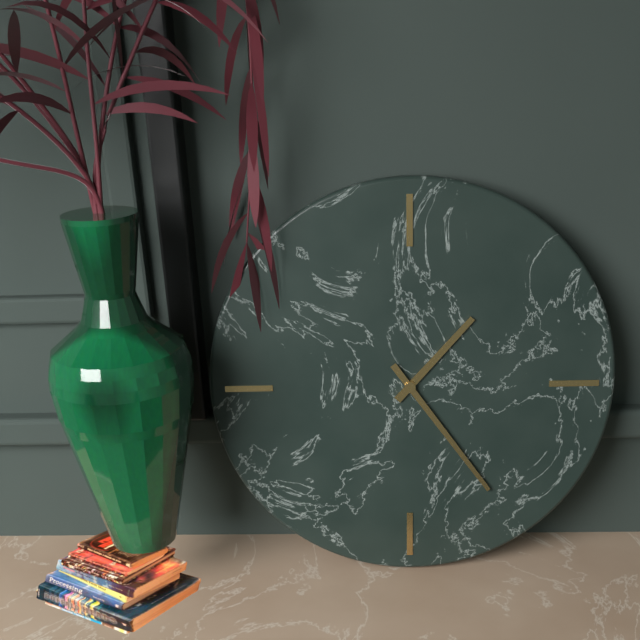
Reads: 1,24
